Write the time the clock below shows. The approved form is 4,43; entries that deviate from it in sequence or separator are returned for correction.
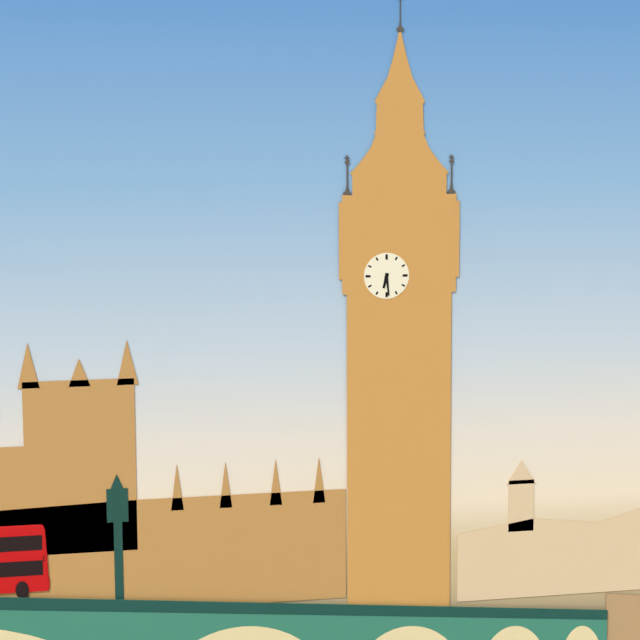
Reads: 6,29
